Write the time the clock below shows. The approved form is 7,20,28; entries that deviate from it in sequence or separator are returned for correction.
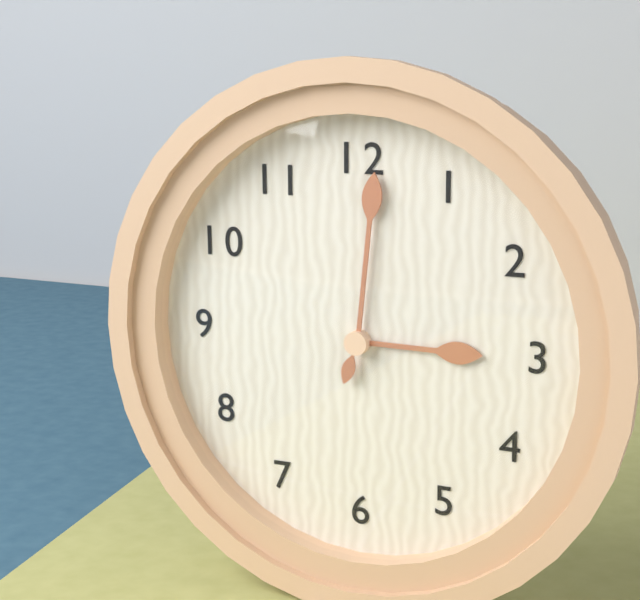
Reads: 3,01,33
